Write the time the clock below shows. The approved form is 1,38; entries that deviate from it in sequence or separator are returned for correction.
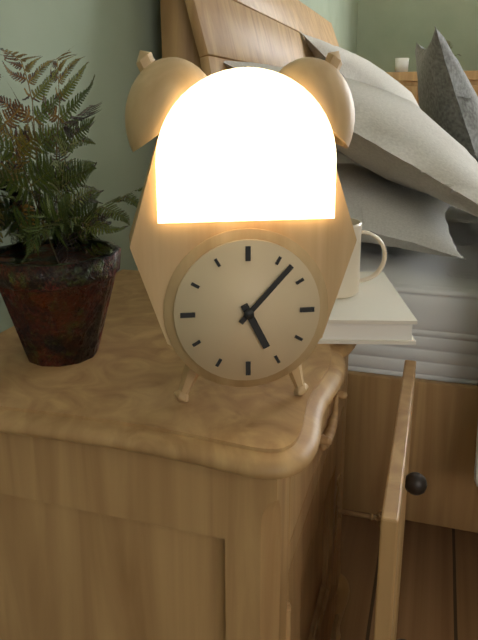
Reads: 5,07
